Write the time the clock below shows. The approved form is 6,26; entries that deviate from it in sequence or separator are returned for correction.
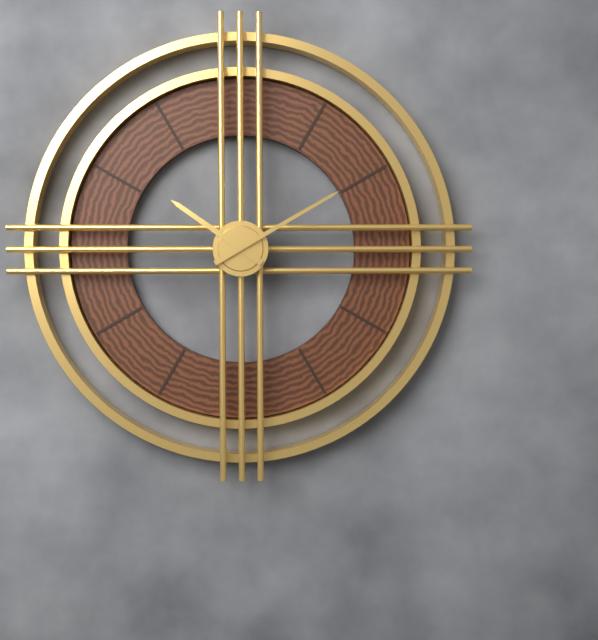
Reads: 10,10
